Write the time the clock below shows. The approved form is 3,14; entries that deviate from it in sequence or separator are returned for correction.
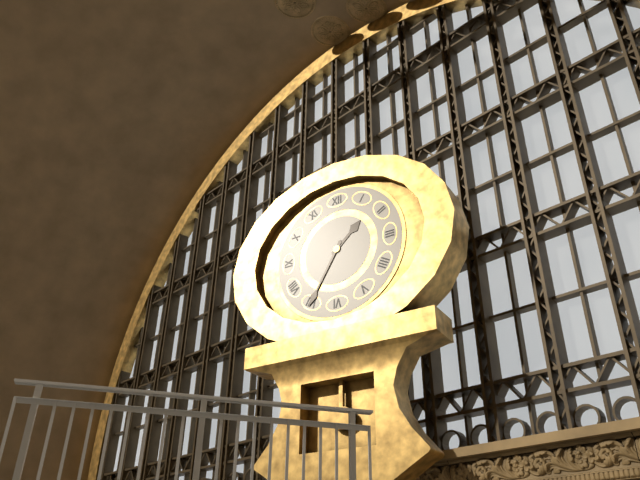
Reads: 1,35
